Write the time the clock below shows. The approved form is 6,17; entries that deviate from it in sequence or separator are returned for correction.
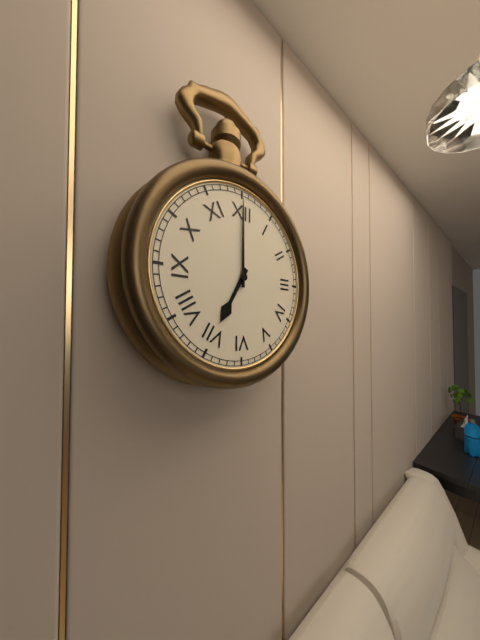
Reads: 7,00
